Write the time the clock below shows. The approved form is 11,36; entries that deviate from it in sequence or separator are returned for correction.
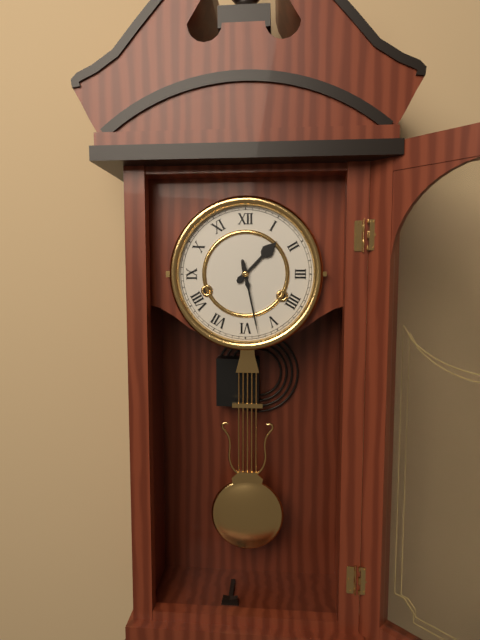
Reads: 1,28
